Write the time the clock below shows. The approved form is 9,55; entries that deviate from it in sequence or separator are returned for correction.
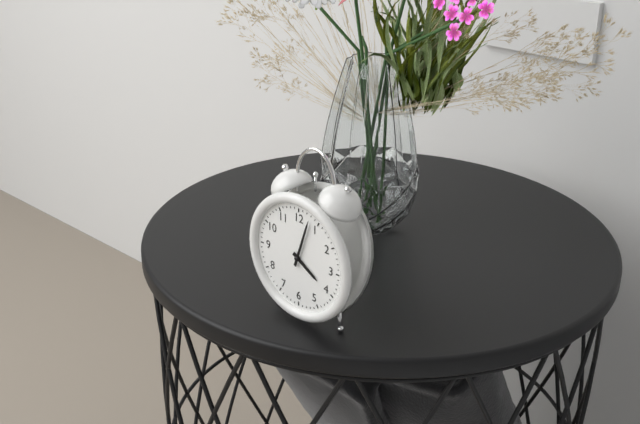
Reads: 4,03
